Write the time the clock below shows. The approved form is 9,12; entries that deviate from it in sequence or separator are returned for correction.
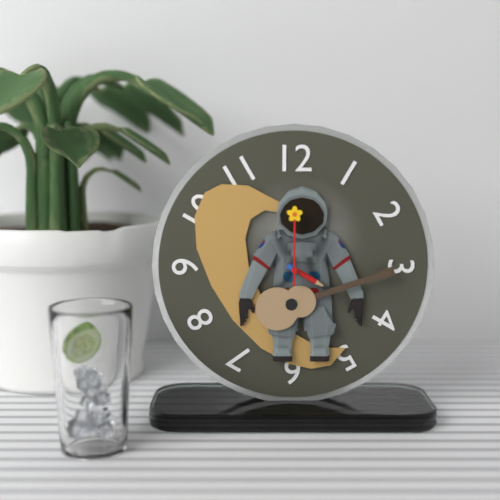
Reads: 4,00
